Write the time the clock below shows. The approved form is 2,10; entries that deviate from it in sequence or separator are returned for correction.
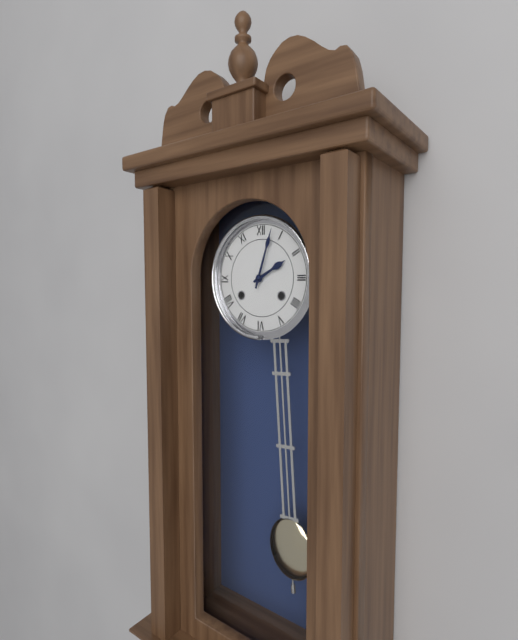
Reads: 2,03
